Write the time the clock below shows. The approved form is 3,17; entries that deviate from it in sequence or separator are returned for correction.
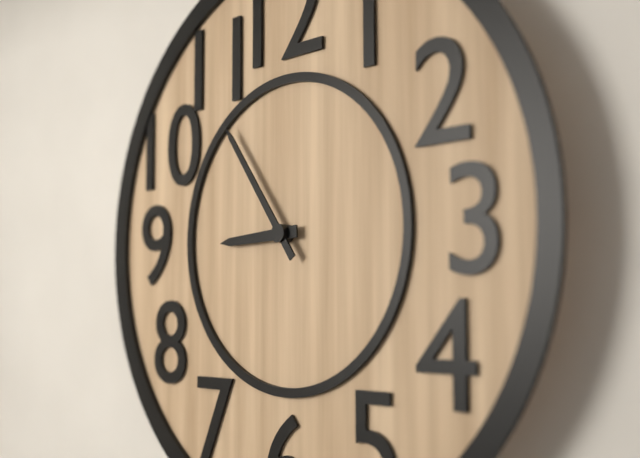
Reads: 8,54
